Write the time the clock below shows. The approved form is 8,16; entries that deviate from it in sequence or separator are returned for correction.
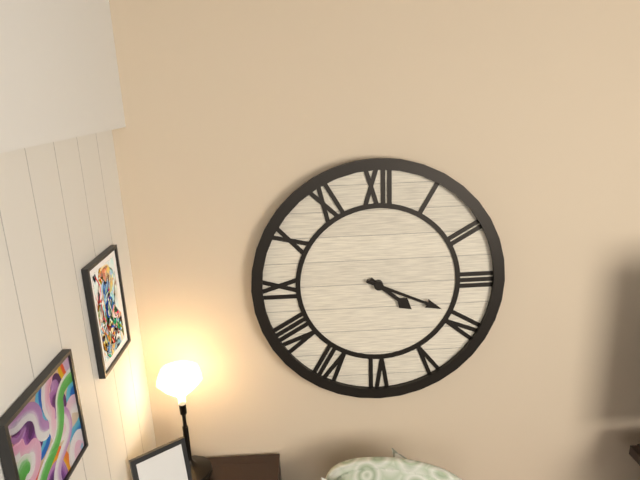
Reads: 4,19
